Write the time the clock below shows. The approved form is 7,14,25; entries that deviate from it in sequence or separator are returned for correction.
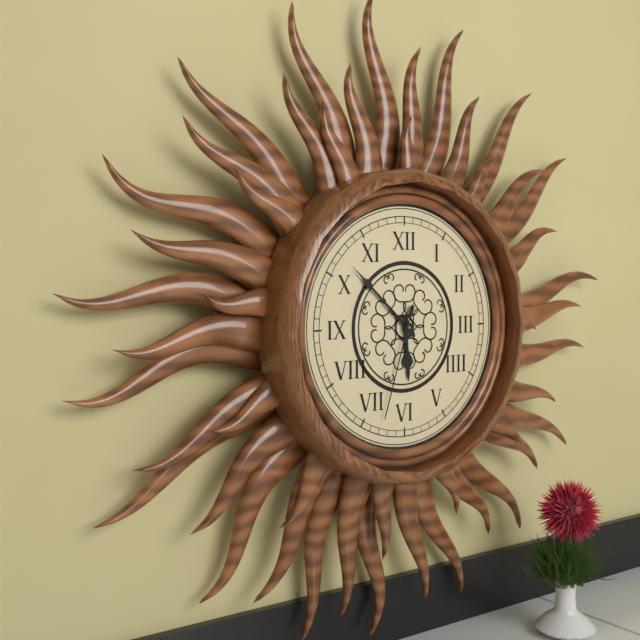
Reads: 5,52,33
